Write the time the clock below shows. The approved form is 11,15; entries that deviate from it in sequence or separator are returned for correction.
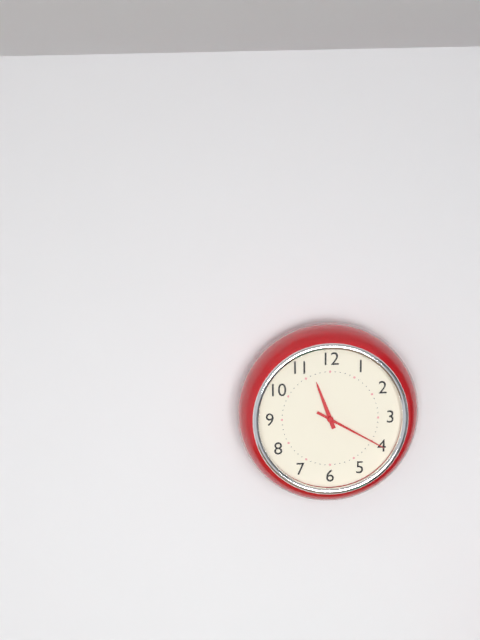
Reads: 11,20
